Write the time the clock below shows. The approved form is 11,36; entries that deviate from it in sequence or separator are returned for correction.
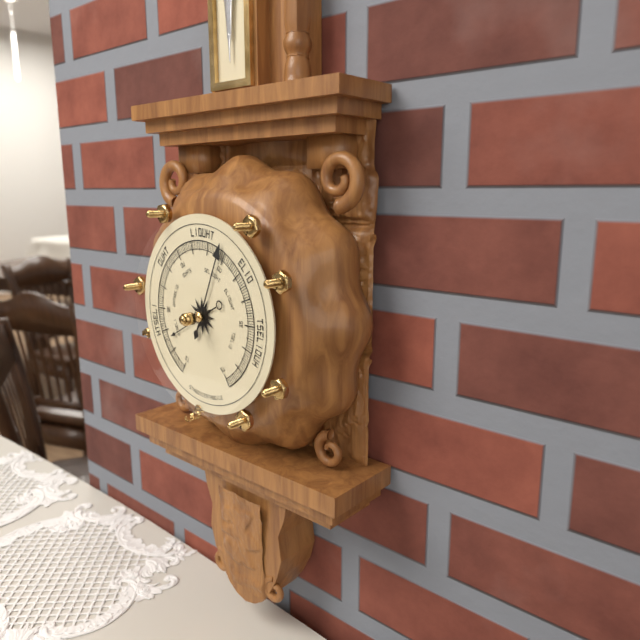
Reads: 8,04
